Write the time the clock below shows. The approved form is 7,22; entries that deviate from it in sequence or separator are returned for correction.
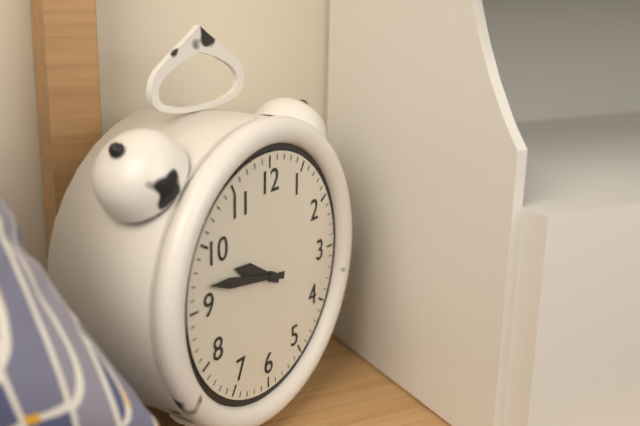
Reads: 9,47
